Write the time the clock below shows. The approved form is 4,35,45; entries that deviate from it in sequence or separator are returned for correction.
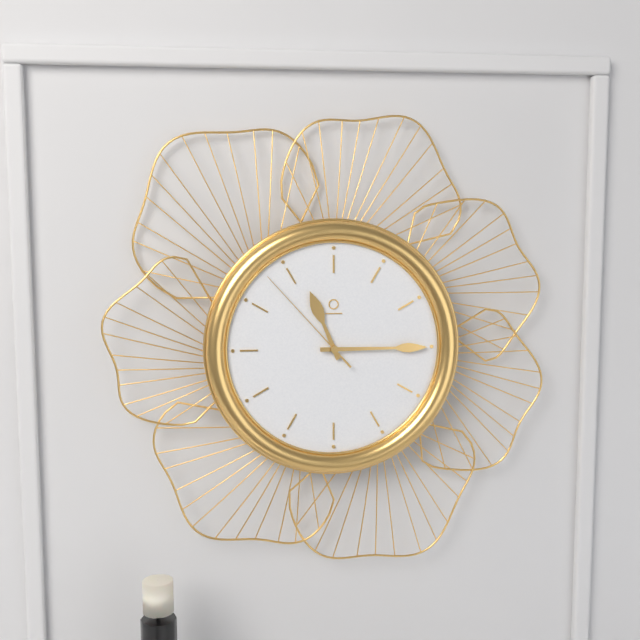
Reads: 11,15,53
